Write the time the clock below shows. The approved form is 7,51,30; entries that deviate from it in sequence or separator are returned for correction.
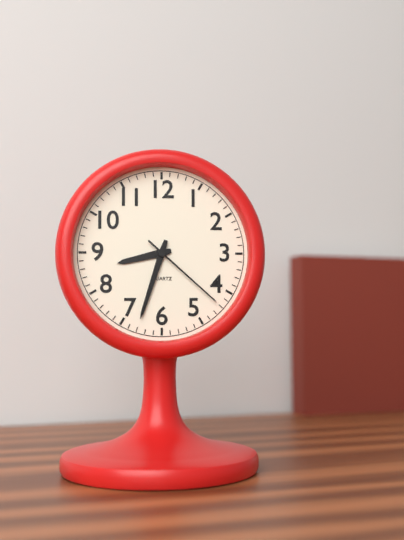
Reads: 8,33,22
